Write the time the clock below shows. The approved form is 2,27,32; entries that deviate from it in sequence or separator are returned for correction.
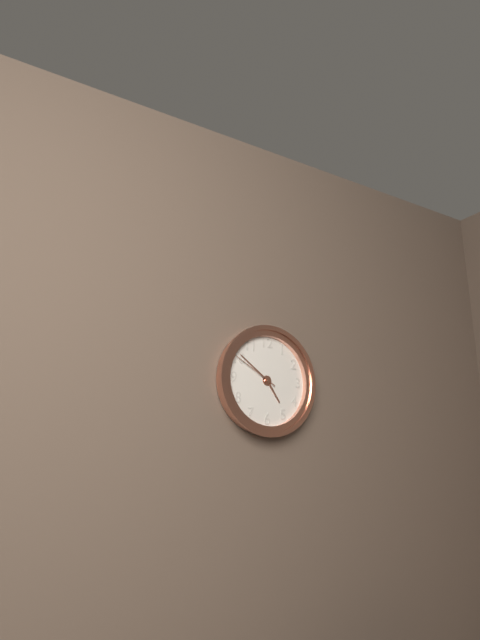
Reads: 4,51,50
